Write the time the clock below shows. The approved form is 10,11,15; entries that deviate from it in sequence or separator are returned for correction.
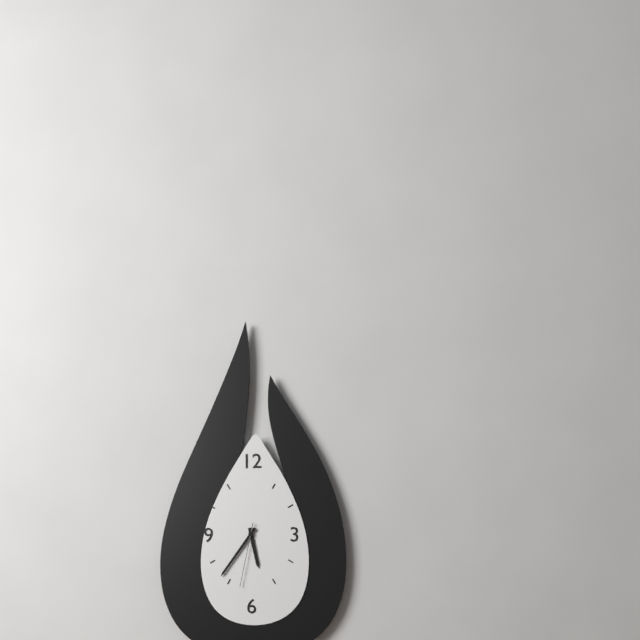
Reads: 5,36,32
